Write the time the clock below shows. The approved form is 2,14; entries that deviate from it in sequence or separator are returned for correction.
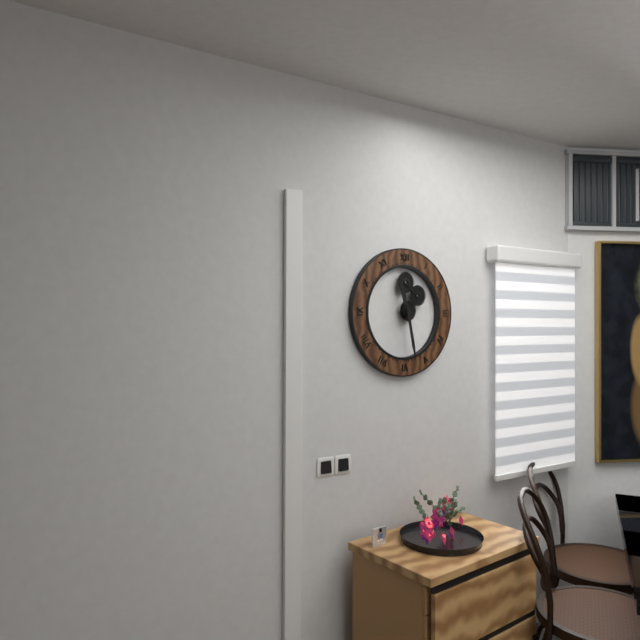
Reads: 11,28
